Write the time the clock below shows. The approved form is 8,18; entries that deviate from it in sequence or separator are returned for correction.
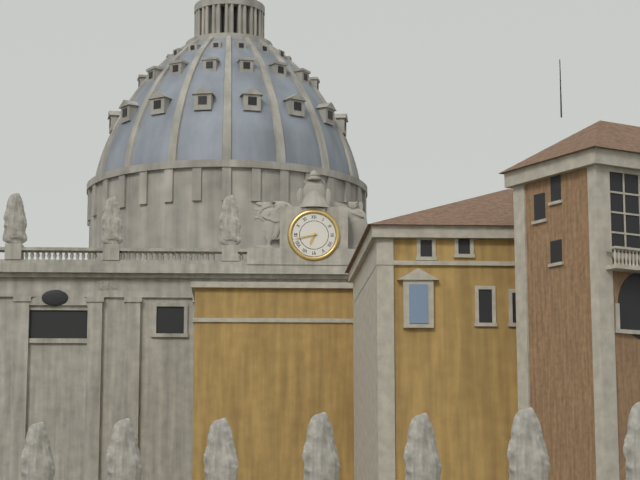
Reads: 6,43
